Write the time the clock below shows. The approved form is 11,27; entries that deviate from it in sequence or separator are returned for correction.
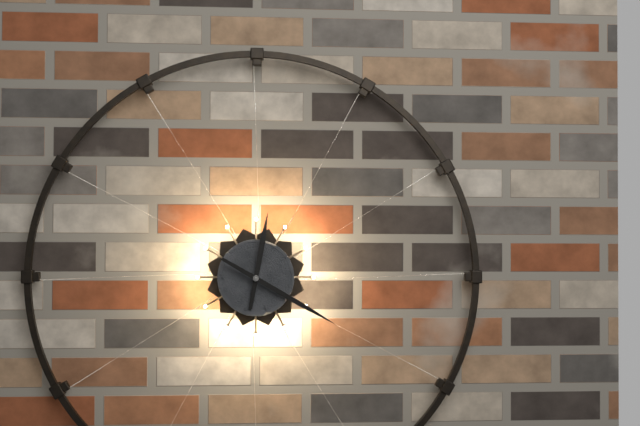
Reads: 12,20
